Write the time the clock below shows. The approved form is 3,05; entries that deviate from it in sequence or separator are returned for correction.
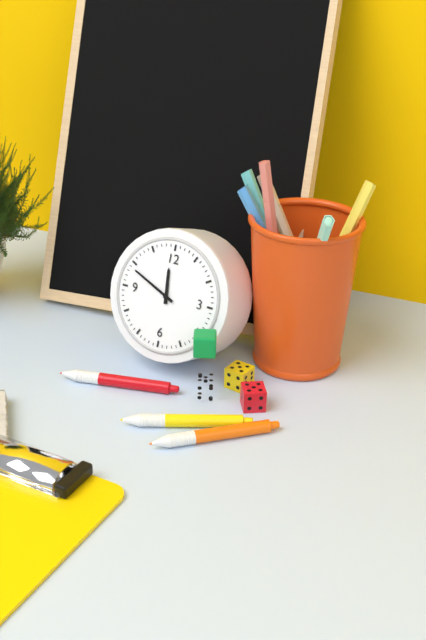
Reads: 11,49
